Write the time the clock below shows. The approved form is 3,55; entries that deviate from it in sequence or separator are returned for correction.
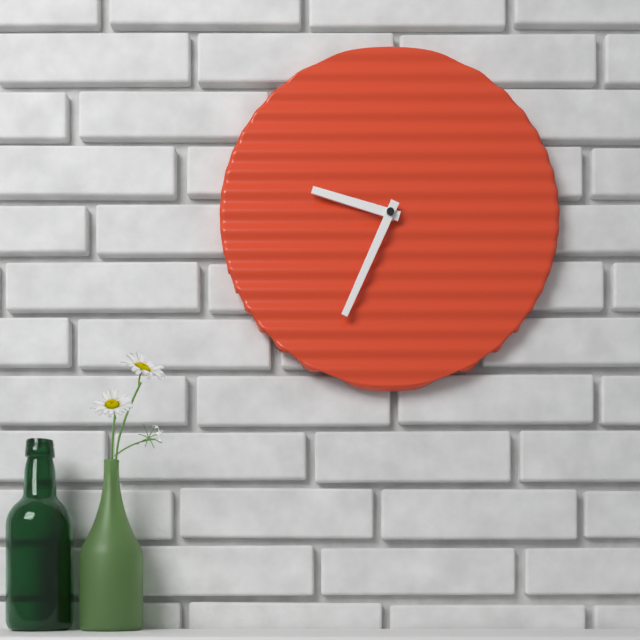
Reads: 9,34
